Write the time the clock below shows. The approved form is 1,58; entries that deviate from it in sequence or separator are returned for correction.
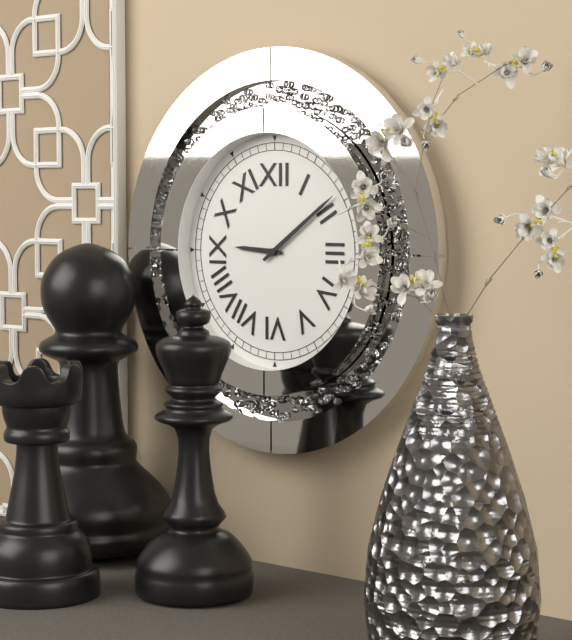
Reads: 9,09
